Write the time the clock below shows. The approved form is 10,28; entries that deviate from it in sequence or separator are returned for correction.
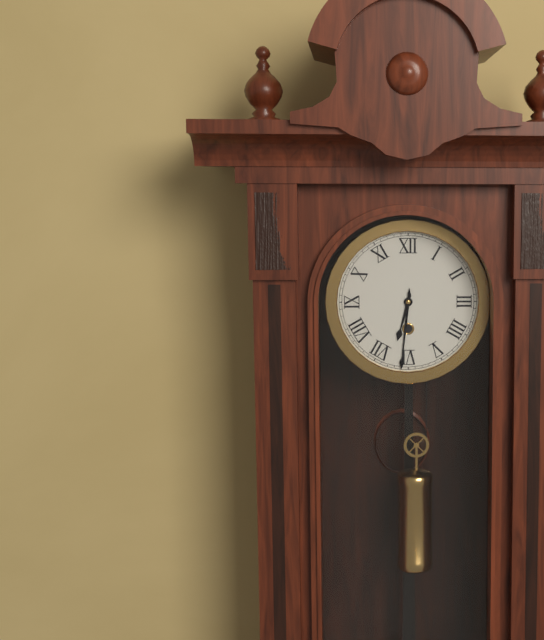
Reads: 6,31
